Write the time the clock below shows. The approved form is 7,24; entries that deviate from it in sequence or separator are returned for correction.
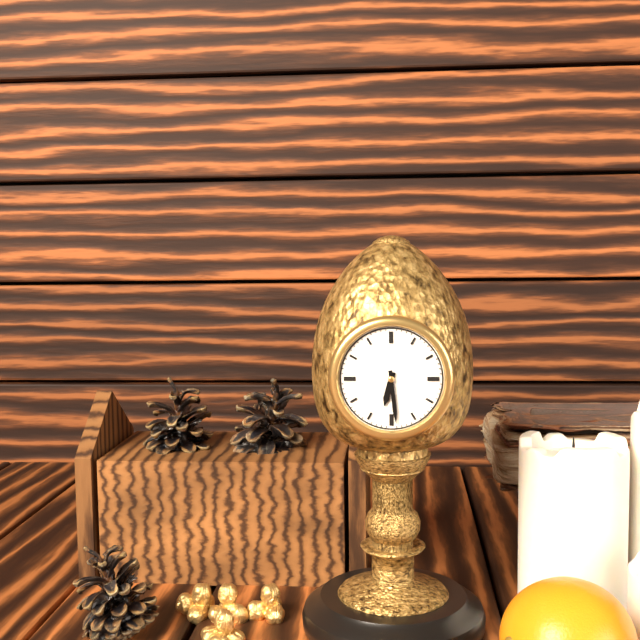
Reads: 6,29
